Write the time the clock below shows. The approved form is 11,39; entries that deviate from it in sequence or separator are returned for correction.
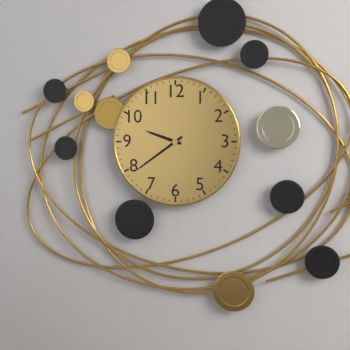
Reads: 9,39
